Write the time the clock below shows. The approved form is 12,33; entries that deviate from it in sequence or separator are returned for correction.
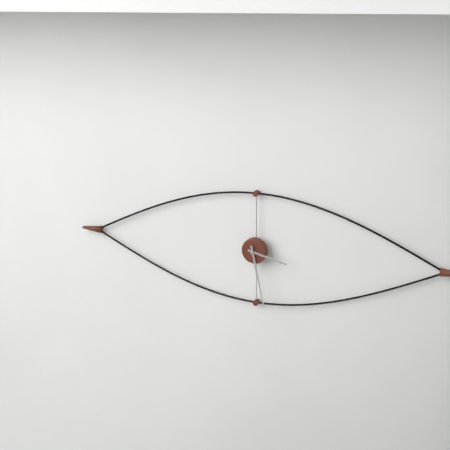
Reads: 3,28
